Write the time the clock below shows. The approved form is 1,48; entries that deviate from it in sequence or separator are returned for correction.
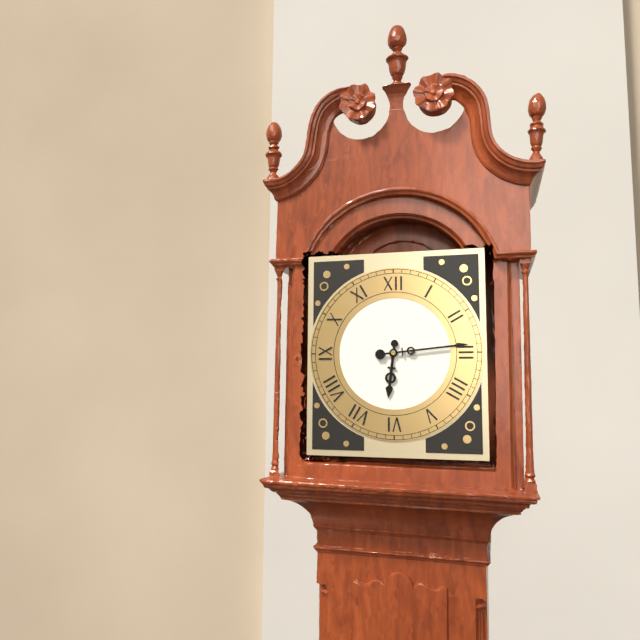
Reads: 6,14
